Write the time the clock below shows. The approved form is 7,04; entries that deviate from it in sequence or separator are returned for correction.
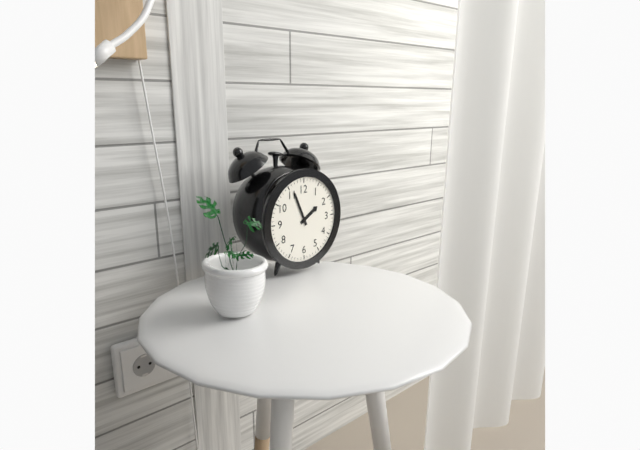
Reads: 1,56
